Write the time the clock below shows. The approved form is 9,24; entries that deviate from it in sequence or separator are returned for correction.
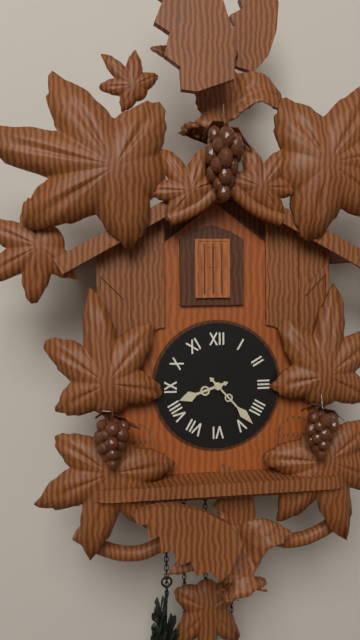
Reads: 8,23
